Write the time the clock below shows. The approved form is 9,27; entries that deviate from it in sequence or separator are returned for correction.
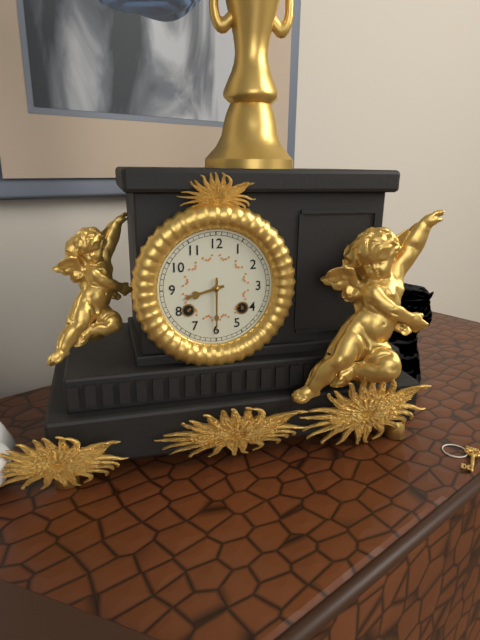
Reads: 8,30
